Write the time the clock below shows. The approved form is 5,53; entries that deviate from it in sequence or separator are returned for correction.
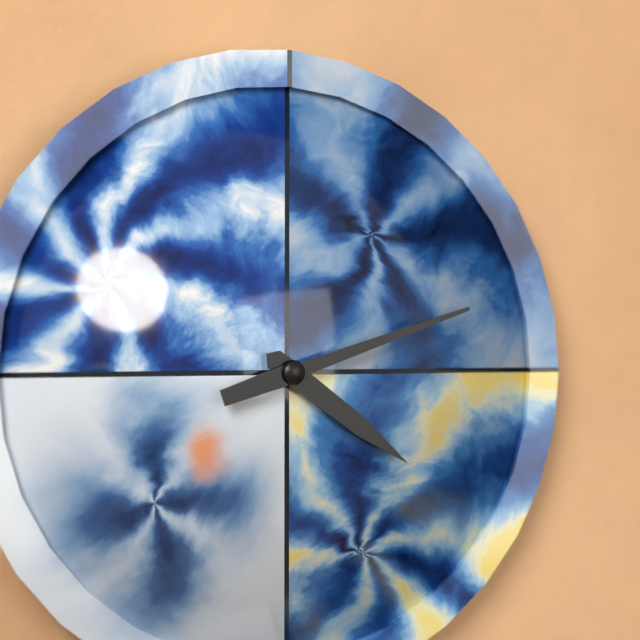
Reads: 4,12
